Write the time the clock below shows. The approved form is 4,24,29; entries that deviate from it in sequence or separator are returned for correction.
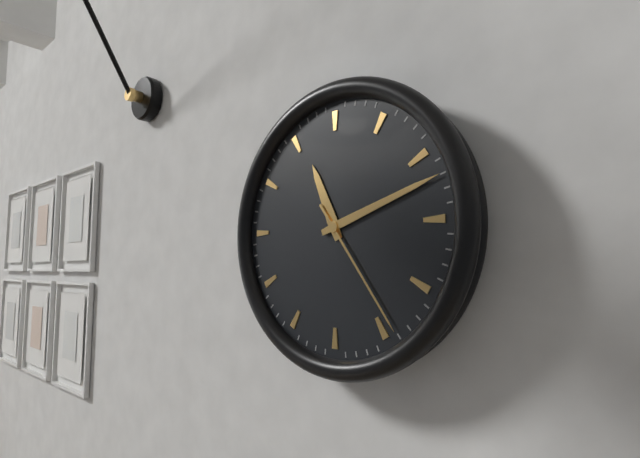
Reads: 11,12,24
